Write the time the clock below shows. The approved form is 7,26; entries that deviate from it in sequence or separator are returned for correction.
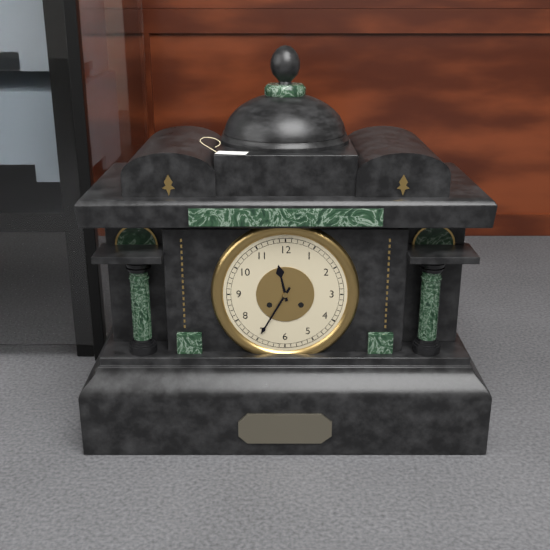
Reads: 11,35
